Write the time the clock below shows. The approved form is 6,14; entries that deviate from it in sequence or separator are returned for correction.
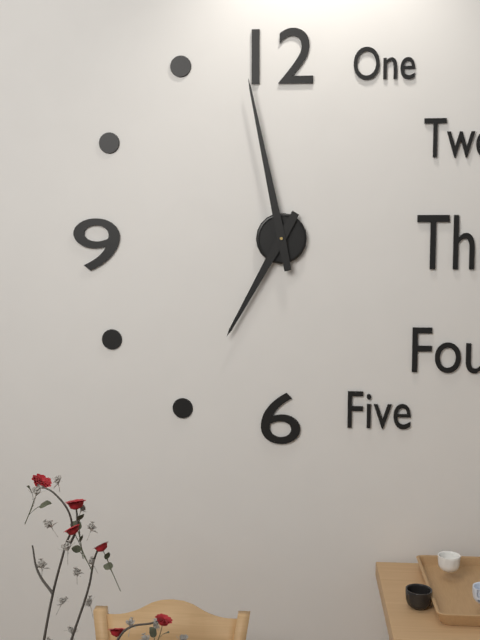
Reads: 6,58
